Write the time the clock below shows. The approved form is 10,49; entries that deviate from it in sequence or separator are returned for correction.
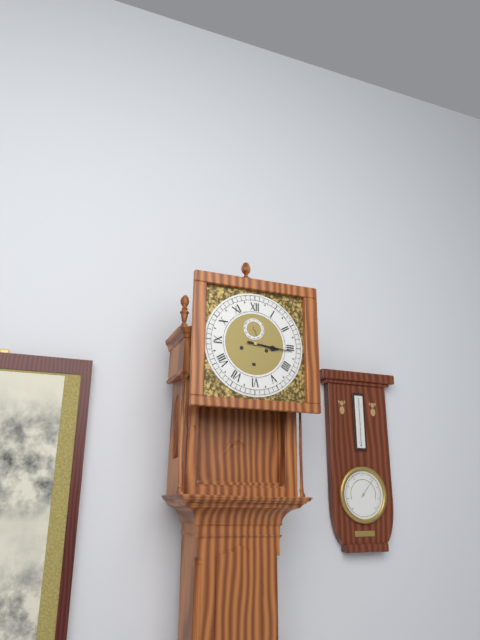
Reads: 3,16
